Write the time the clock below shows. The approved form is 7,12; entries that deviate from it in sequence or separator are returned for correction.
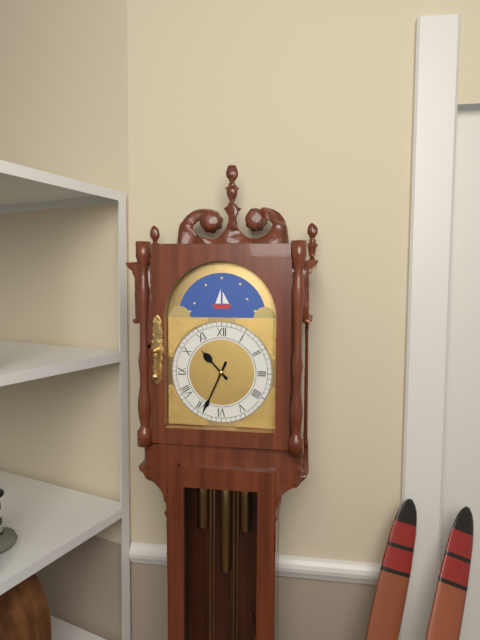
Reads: 10,34
